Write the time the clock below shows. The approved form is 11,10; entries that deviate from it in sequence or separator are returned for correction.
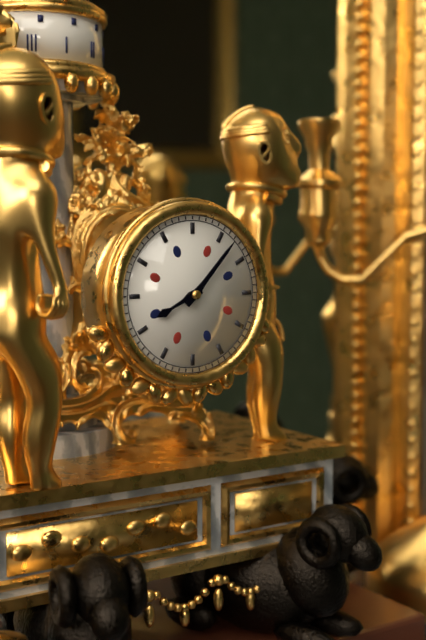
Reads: 8,07
